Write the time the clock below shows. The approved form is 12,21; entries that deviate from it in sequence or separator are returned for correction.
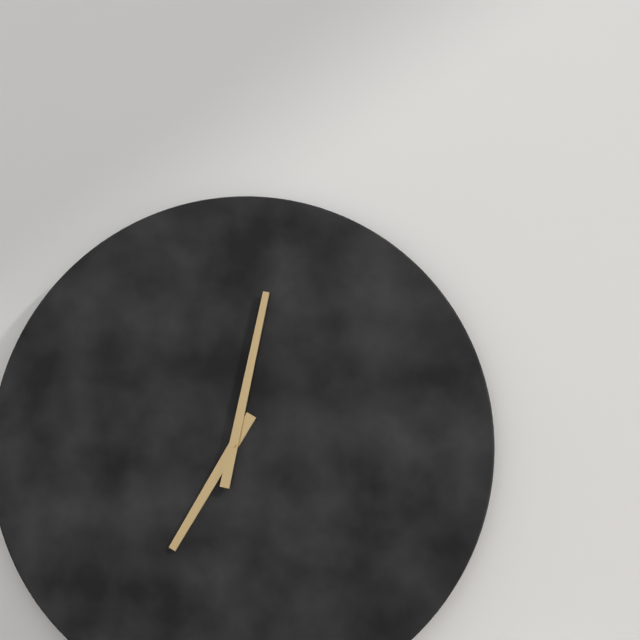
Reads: 7,02
